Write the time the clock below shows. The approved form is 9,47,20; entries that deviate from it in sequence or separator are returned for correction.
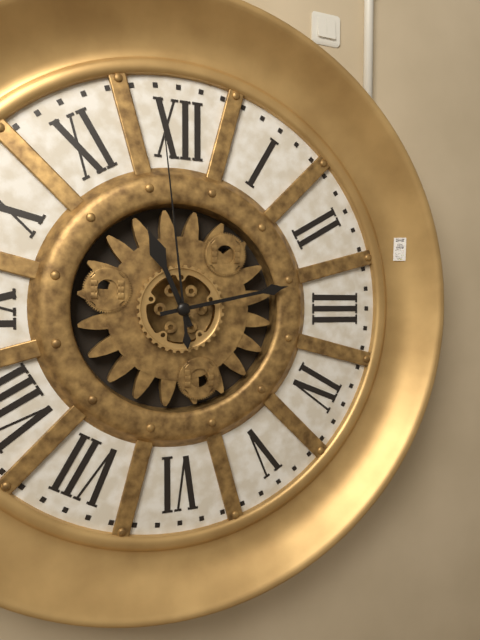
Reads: 11,13,59
